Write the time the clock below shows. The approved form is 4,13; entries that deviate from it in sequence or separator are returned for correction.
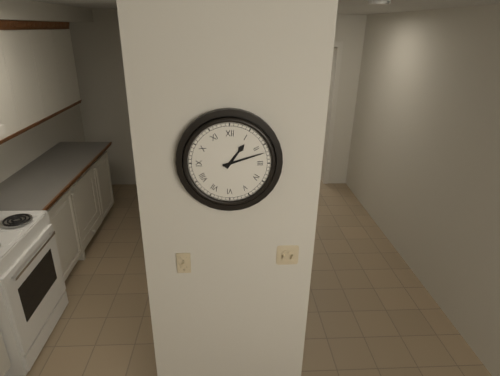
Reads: 1,12
